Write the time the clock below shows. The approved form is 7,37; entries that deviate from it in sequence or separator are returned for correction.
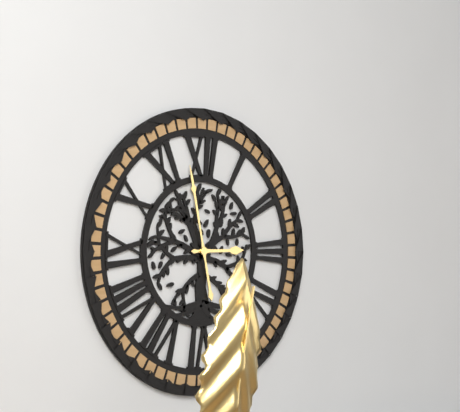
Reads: 2,58
